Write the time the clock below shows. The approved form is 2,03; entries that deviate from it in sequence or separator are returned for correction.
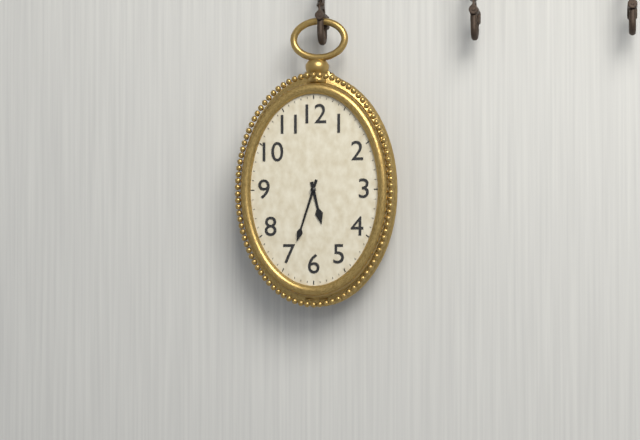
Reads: 5,33
